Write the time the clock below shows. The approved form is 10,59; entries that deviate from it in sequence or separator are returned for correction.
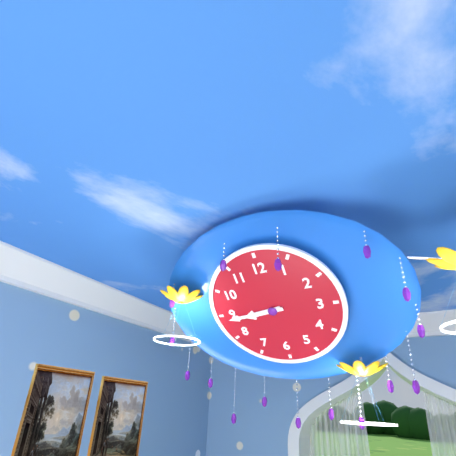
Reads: 8,44
